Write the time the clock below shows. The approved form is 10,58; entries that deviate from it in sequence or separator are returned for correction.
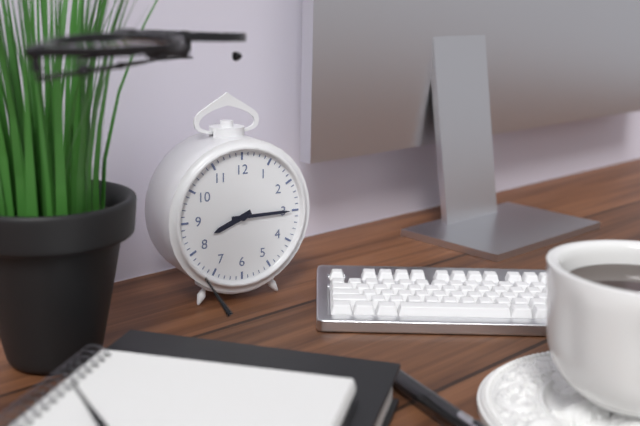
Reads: 8,15
